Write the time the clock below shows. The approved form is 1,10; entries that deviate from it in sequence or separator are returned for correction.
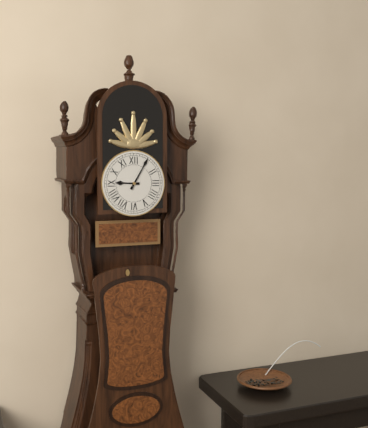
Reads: 9,05
